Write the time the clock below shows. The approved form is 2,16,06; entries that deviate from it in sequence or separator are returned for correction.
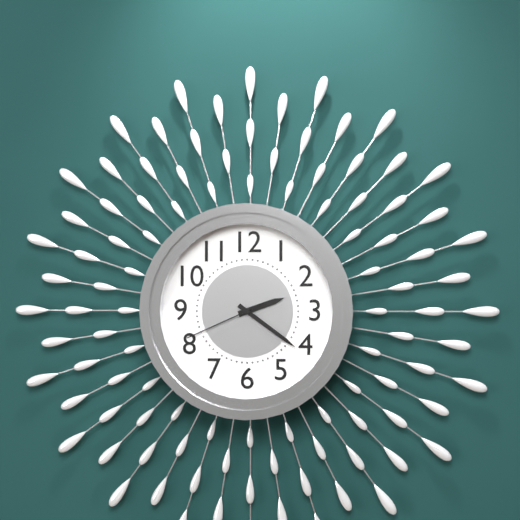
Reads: 2,21,41
